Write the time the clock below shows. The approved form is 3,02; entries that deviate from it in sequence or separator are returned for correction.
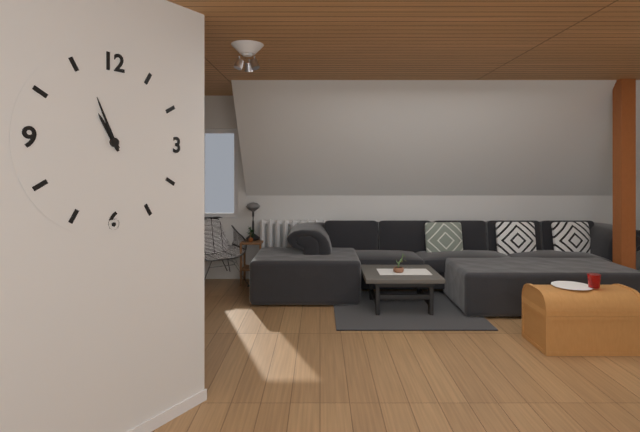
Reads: 10,56
